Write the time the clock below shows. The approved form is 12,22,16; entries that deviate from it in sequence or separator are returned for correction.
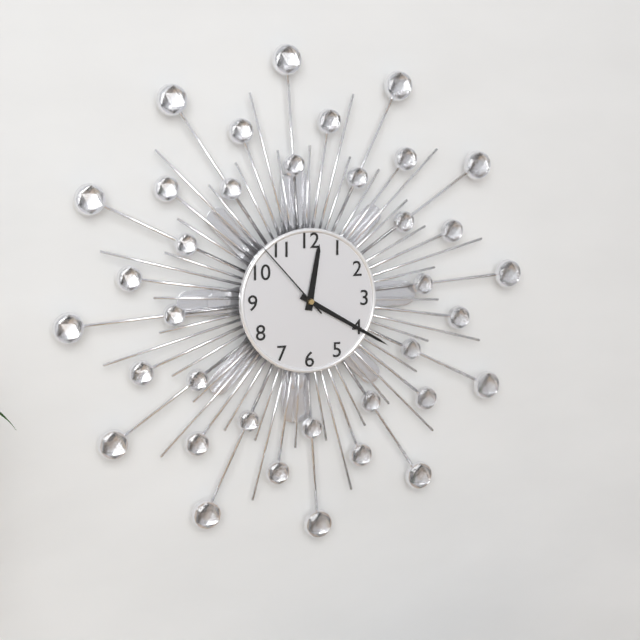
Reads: 12,20,53
